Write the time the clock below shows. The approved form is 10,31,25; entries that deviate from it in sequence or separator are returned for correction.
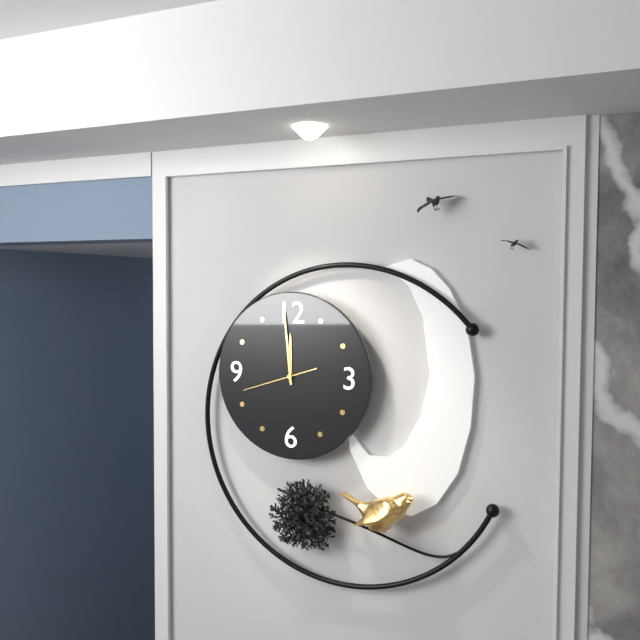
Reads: 11,59,42
